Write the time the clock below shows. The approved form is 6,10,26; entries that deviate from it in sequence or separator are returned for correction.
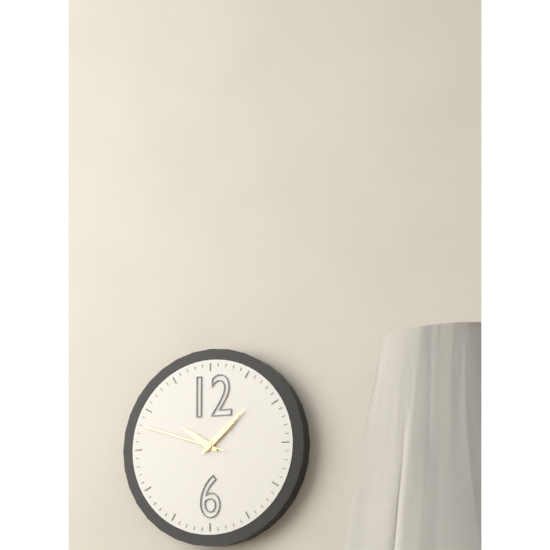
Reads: 10,08,48
